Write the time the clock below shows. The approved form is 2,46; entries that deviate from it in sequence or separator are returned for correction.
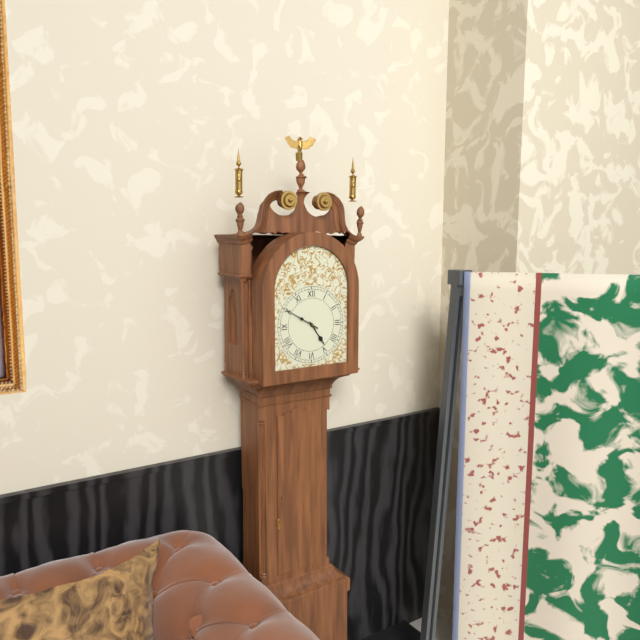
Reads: 4,50
